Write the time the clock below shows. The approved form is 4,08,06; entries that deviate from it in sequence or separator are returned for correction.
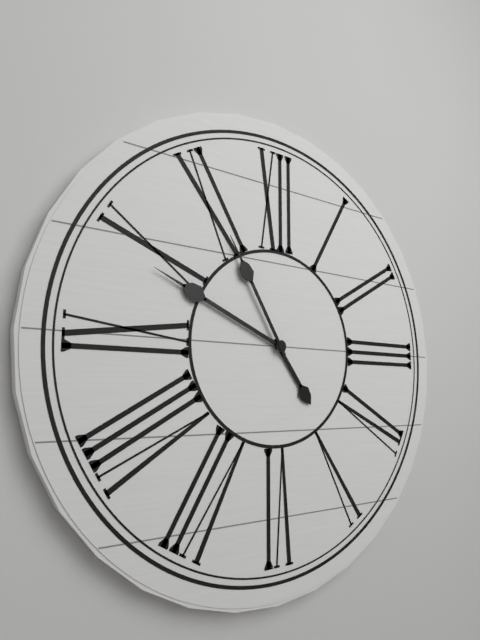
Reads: 4,49,55
